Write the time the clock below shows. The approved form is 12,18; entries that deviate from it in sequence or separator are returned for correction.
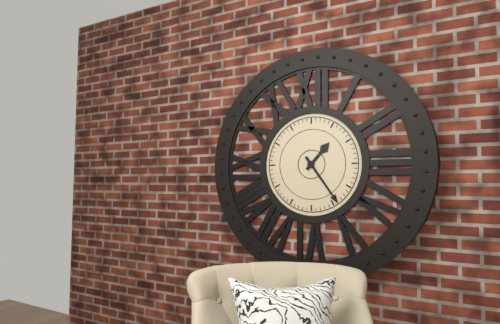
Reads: 1,24
